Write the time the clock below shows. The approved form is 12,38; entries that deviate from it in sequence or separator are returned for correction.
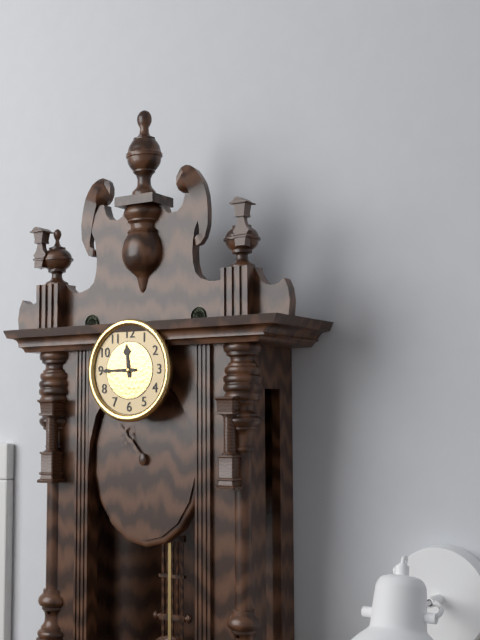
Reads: 11,45
